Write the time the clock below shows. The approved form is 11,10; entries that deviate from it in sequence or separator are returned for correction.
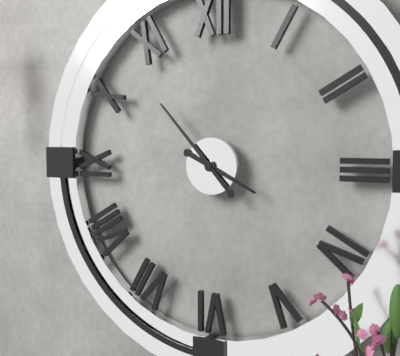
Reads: 3,53
